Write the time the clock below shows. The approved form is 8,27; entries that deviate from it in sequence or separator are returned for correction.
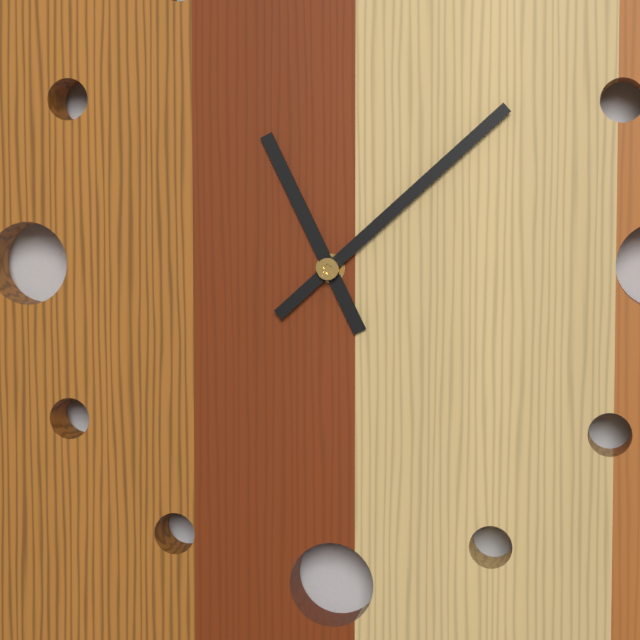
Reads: 11,08
